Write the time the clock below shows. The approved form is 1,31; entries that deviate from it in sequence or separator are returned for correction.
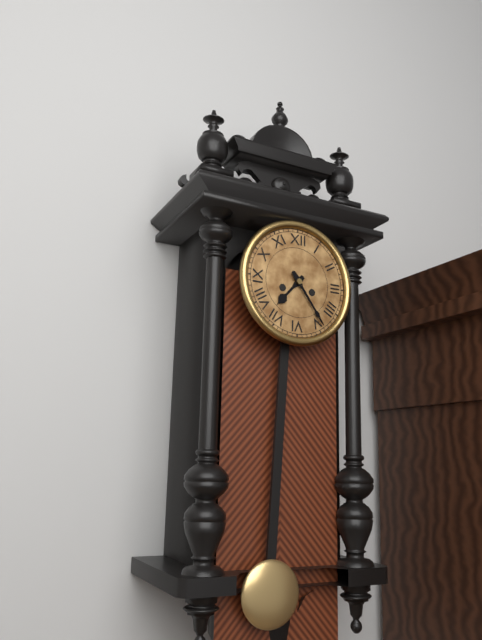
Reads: 7,24
